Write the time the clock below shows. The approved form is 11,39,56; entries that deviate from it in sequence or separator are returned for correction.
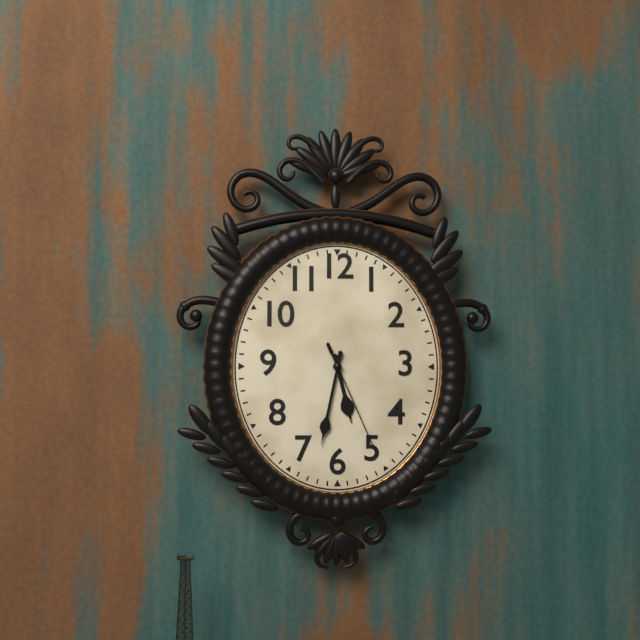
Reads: 5,32,26
